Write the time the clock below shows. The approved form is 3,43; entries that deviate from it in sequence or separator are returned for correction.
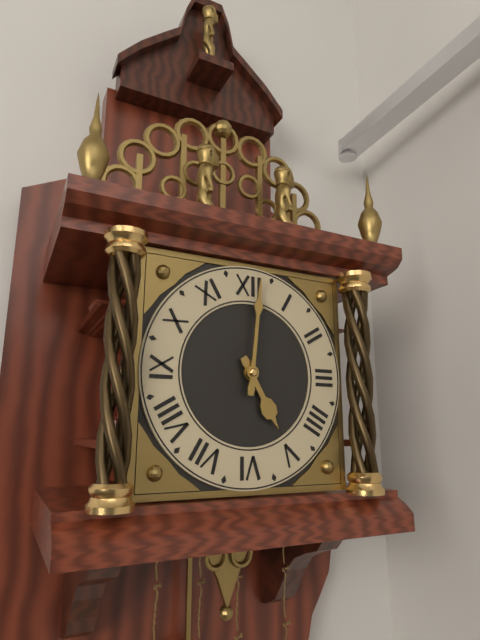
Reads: 5,01
